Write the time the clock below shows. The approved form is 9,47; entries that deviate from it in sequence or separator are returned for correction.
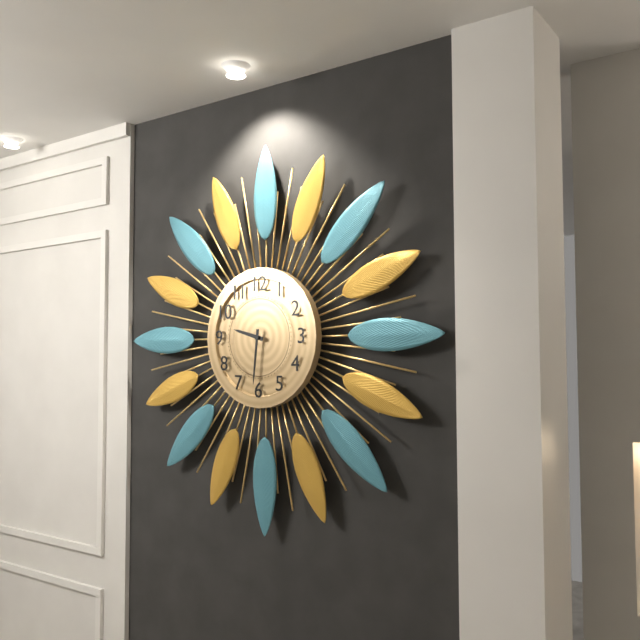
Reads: 9,31
